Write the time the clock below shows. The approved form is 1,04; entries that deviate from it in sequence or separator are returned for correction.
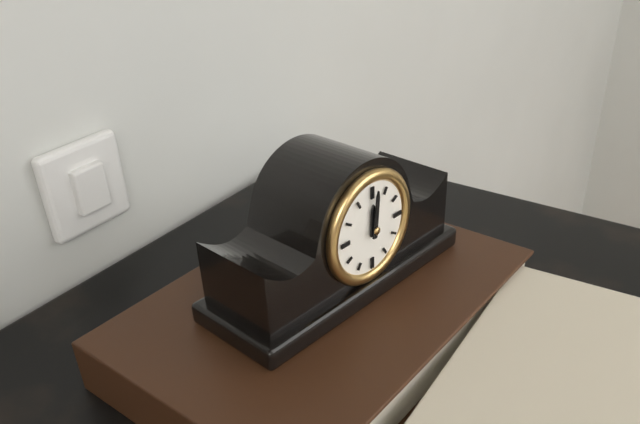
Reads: 12,01
